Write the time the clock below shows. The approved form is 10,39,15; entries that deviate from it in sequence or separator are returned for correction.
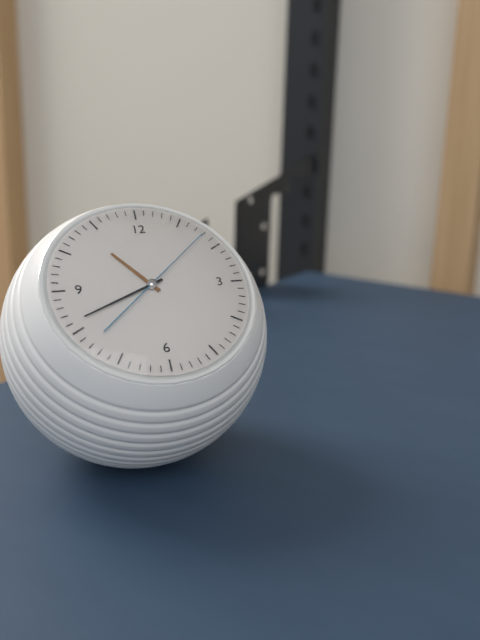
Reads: 10,41,08
